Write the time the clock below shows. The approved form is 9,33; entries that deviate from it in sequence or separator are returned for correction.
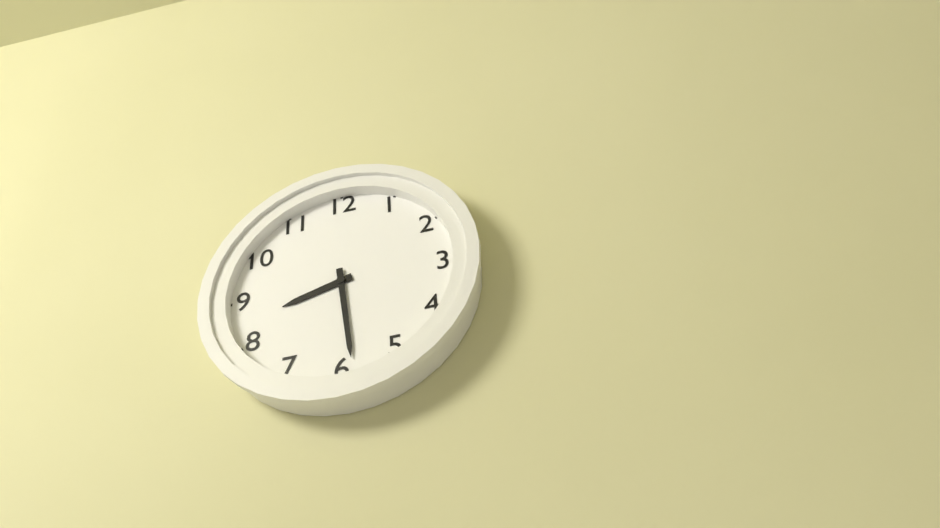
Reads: 8,29
